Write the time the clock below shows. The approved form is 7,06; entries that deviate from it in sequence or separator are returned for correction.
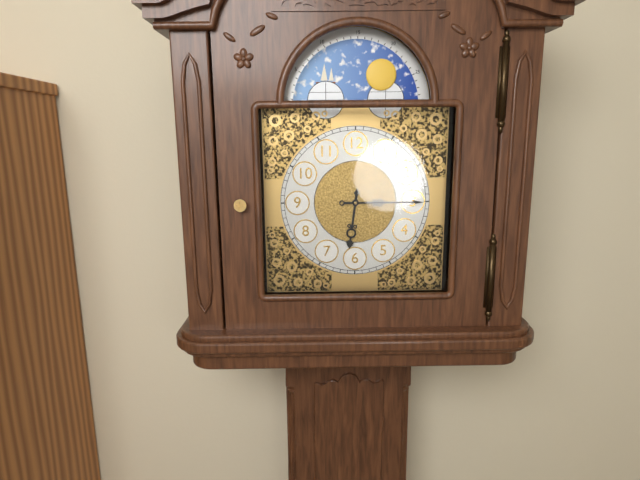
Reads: 6,15
